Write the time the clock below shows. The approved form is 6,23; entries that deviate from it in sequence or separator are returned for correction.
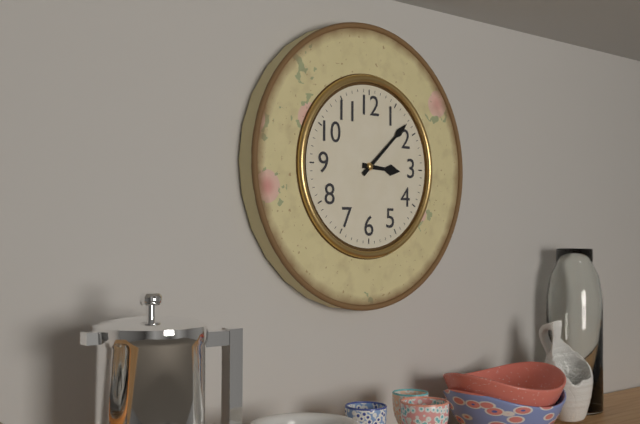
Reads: 3,08
